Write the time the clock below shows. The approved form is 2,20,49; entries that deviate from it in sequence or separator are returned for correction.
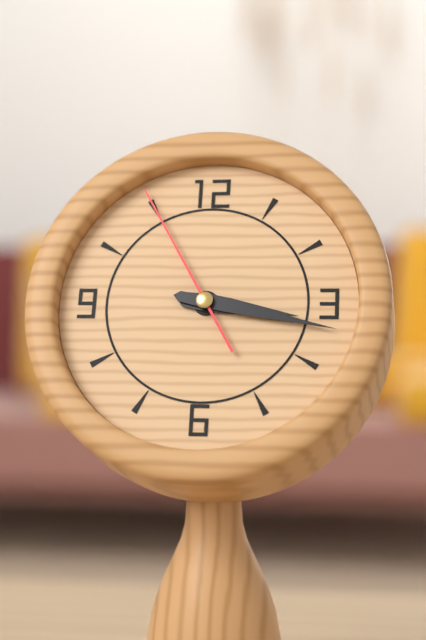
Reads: 3,17,55
